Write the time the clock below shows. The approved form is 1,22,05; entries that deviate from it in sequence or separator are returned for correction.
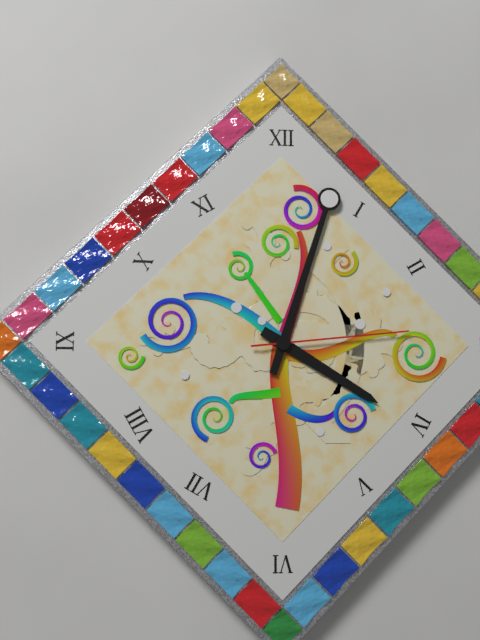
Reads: 4,03,14
